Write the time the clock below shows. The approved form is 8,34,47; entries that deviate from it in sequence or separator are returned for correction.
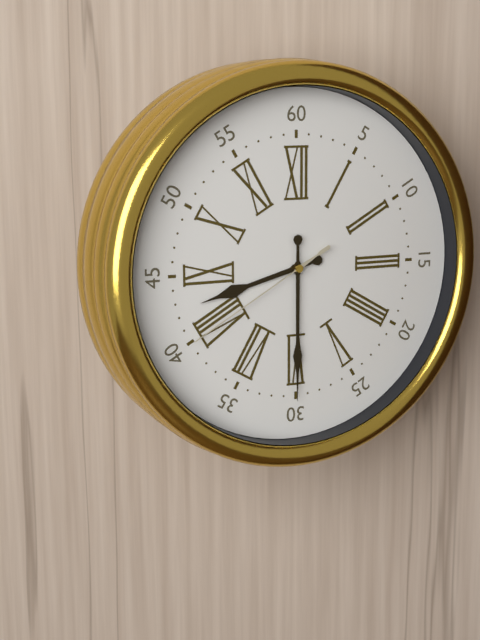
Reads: 8,30,40
